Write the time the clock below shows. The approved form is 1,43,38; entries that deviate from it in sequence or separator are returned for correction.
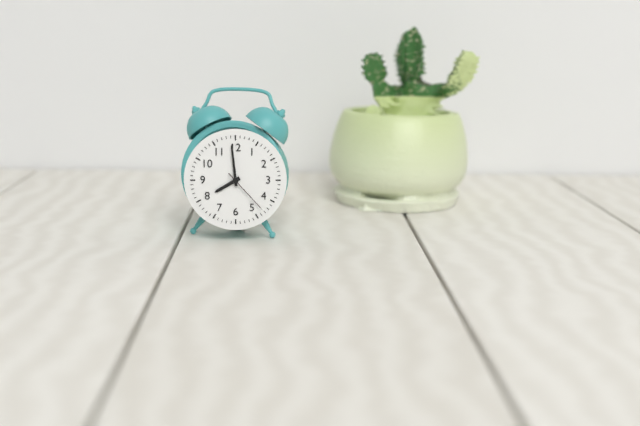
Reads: 7,59,23
